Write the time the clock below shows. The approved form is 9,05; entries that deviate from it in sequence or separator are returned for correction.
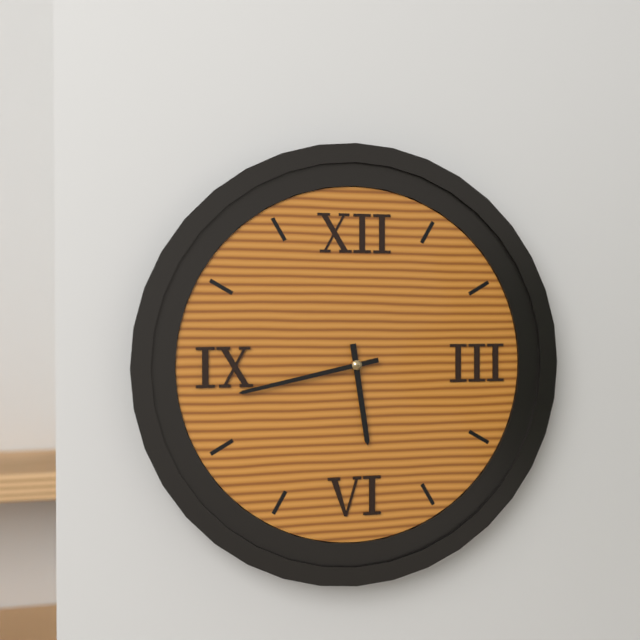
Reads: 5,43
